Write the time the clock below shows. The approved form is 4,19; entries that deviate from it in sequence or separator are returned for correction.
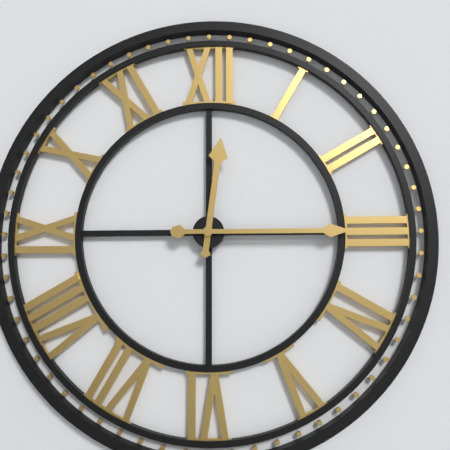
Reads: 12,15
